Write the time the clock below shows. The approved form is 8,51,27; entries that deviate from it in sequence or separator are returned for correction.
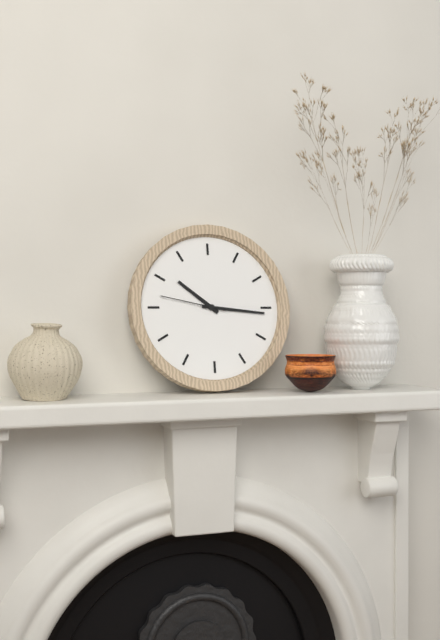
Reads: 10,16,47
